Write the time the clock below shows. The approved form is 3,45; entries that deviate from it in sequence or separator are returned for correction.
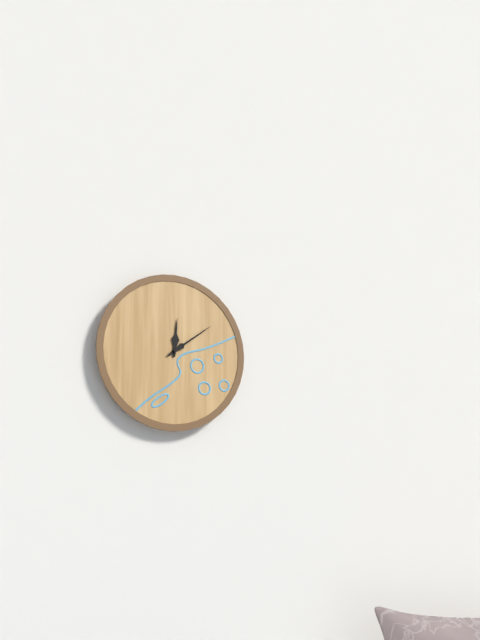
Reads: 12,09
